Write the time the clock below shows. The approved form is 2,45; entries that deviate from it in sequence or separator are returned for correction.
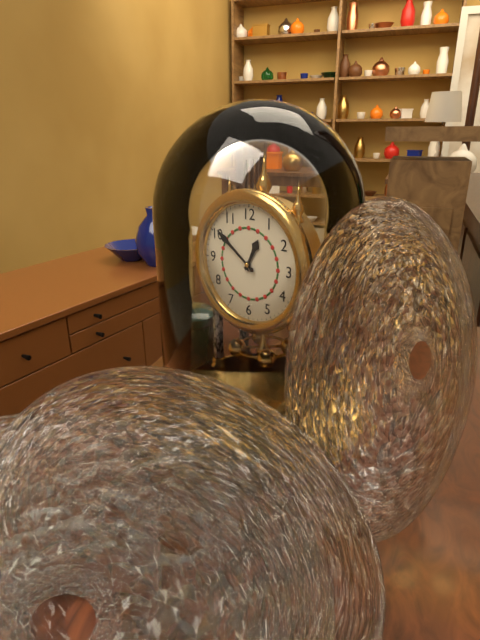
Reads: 12,51
